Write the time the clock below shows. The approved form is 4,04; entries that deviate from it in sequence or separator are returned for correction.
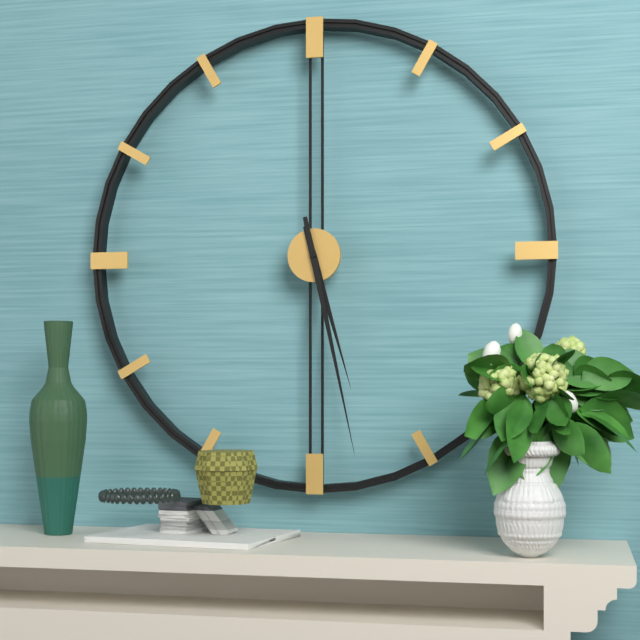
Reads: 5,28
